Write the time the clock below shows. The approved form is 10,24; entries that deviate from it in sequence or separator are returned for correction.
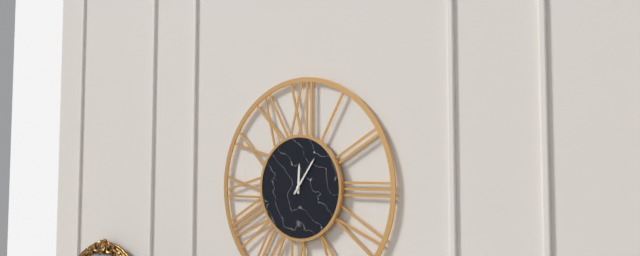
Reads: 12,06
